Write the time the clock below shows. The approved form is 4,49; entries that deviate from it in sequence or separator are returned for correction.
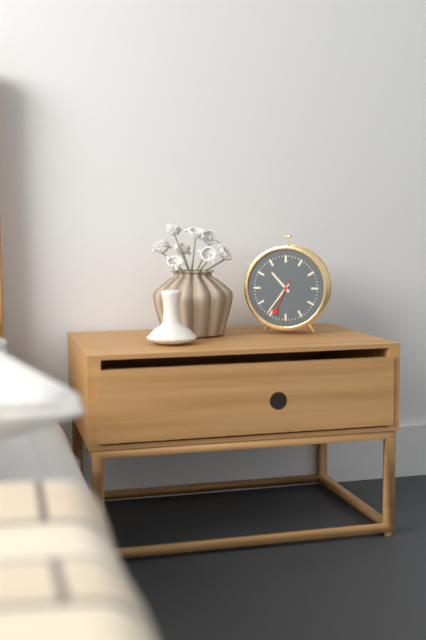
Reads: 10,36
